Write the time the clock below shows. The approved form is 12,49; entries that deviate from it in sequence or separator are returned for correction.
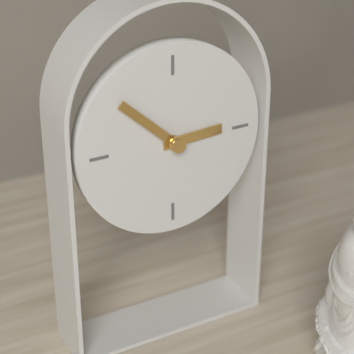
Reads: 2,52
